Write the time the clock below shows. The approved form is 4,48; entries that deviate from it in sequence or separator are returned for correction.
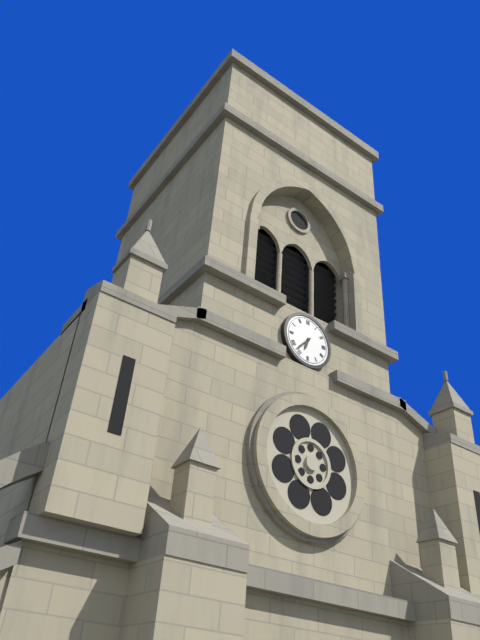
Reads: 6,37
